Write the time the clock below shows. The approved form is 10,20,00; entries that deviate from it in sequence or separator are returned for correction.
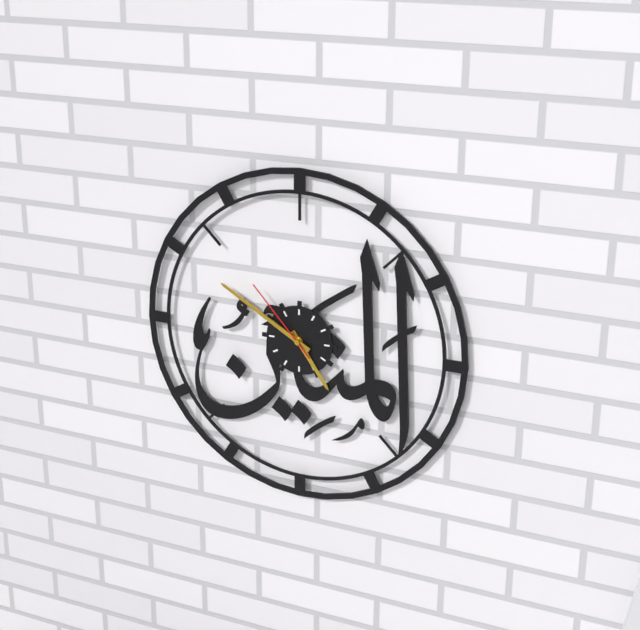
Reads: 4,50,53
